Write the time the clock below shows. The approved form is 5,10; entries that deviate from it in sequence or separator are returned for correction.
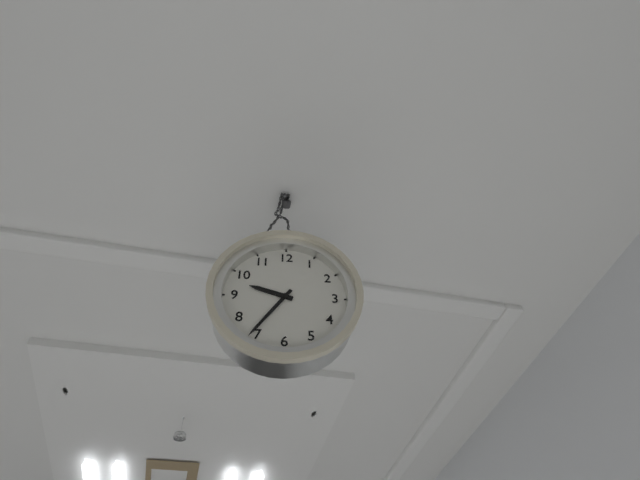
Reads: 9,36
